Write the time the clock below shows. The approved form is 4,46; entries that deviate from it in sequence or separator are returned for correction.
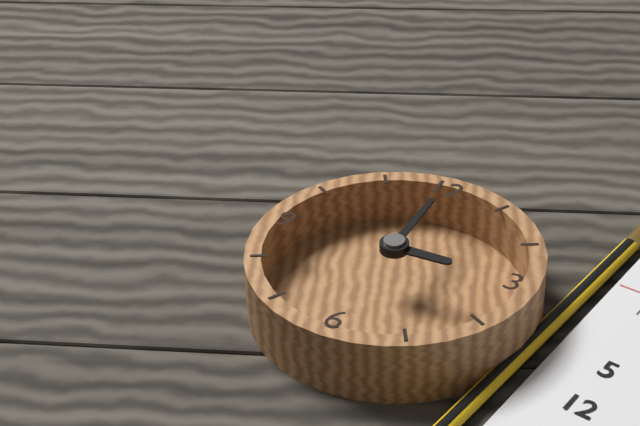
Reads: 3,00
